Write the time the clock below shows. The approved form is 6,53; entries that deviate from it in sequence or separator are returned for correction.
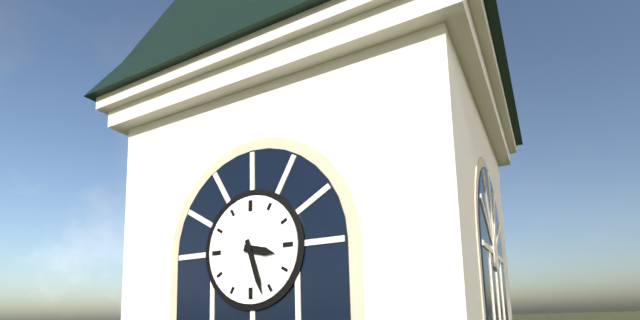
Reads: 3,27
